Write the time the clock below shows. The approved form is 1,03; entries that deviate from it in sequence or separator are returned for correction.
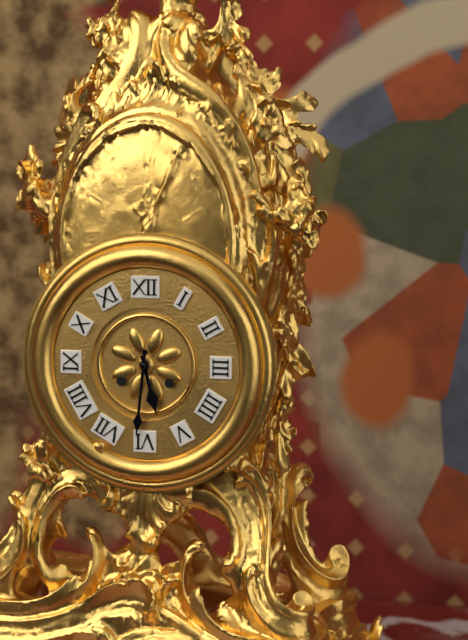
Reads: 5,31
